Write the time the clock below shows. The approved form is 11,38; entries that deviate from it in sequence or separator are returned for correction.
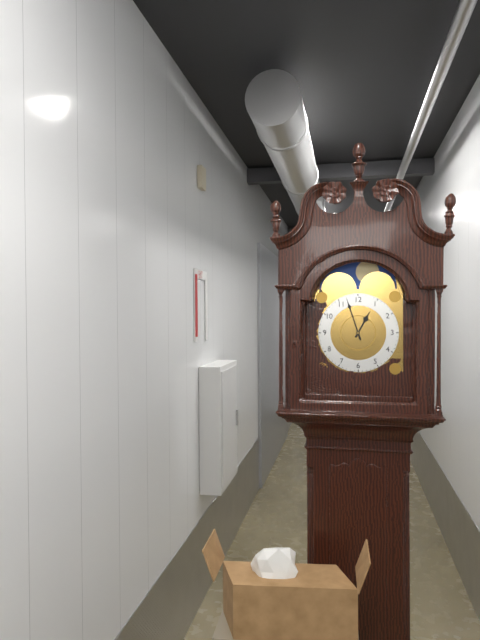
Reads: 12,57
